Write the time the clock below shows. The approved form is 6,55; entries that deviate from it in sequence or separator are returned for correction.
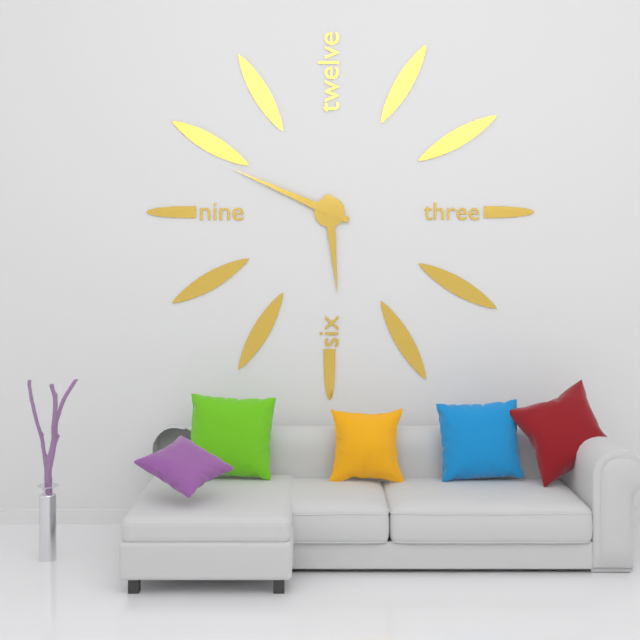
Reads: 5,49
